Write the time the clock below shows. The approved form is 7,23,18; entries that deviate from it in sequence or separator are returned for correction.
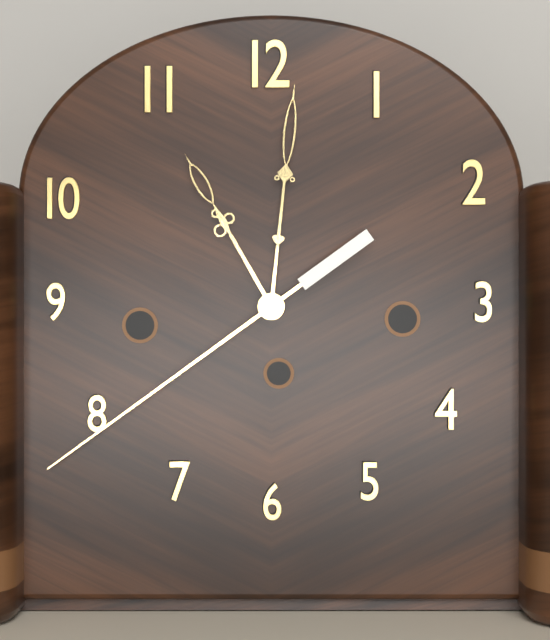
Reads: 11,01,39
